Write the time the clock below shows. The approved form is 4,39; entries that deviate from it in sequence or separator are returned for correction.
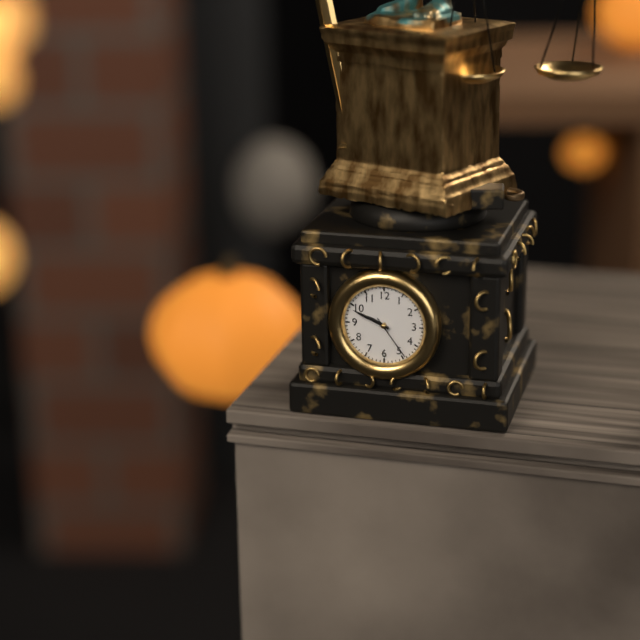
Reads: 9,49
